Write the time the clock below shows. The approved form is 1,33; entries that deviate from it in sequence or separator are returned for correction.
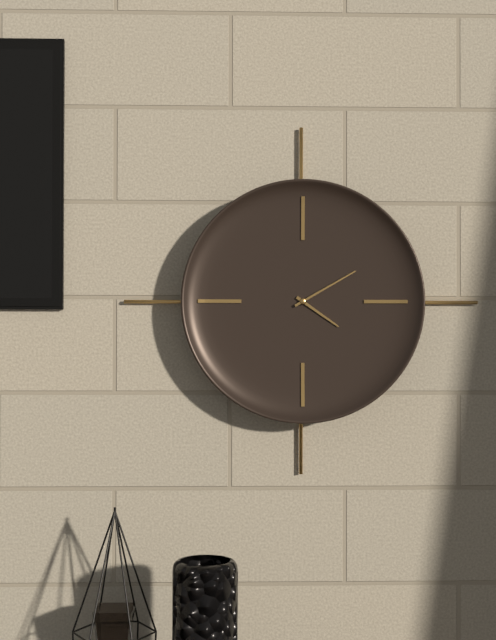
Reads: 4,10
